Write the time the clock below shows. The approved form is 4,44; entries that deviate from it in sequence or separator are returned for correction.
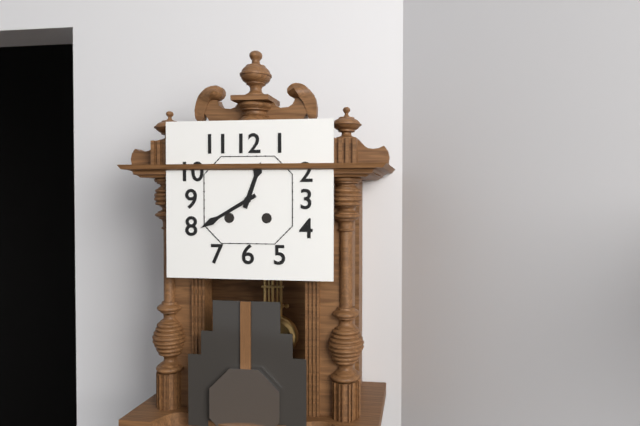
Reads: 12,40
